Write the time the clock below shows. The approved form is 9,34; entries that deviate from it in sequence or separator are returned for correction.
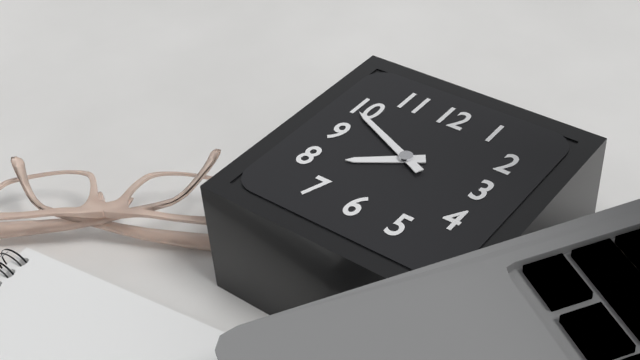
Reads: 7,49
